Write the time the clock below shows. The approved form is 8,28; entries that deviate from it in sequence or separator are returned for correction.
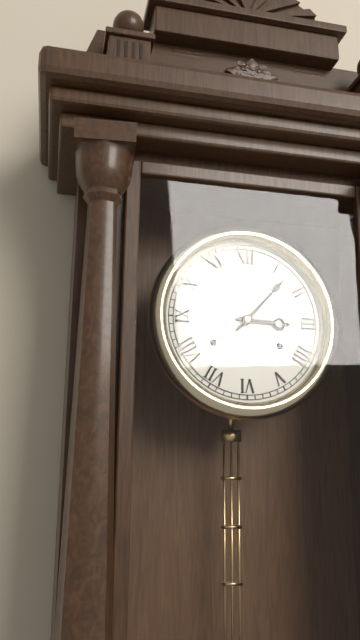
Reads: 3,07
